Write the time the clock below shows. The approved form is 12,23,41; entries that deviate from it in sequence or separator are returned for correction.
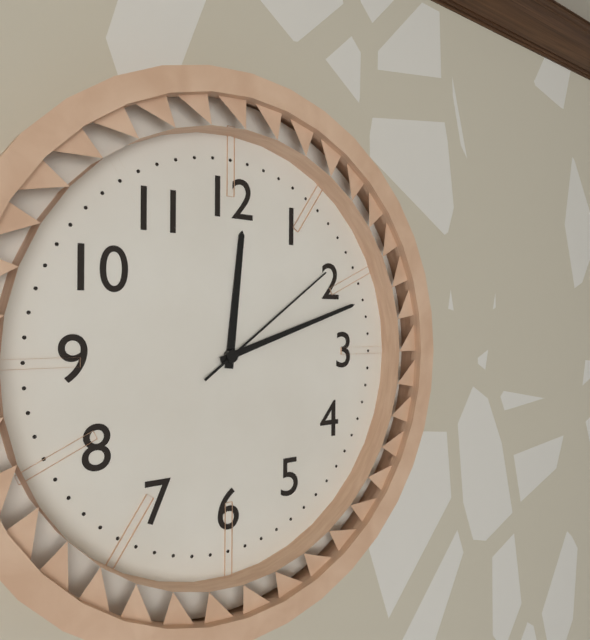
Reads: 12,12,09
